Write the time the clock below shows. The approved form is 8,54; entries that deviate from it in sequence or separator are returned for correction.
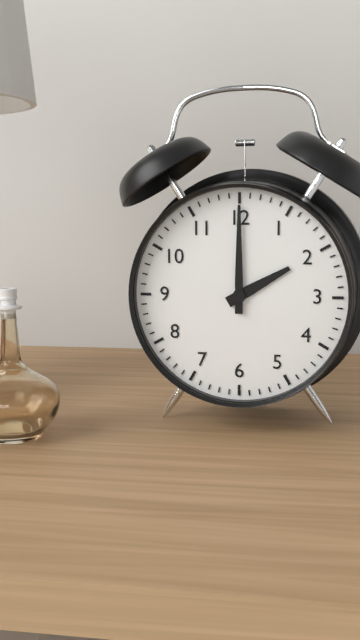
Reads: 2,00
